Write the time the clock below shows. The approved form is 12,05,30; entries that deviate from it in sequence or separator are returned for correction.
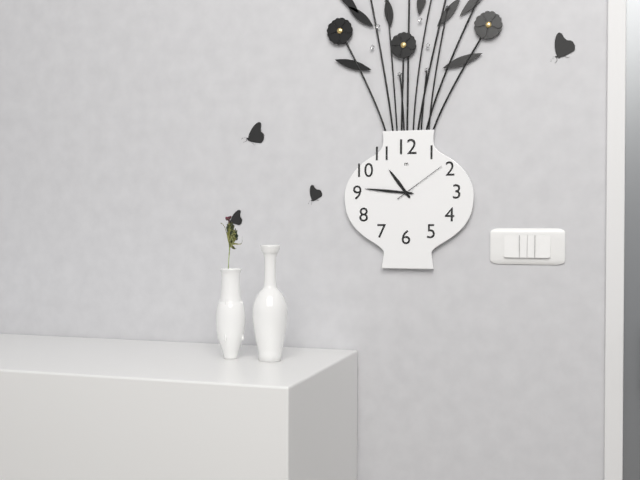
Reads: 10,46,09
